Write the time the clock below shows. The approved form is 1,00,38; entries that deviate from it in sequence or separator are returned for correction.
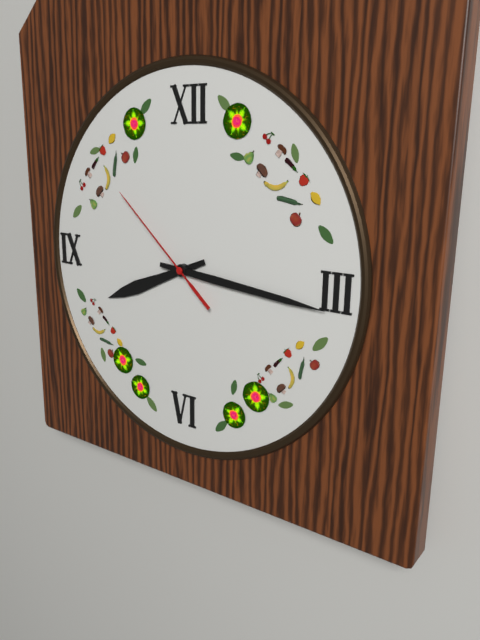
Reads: 8,16,52
